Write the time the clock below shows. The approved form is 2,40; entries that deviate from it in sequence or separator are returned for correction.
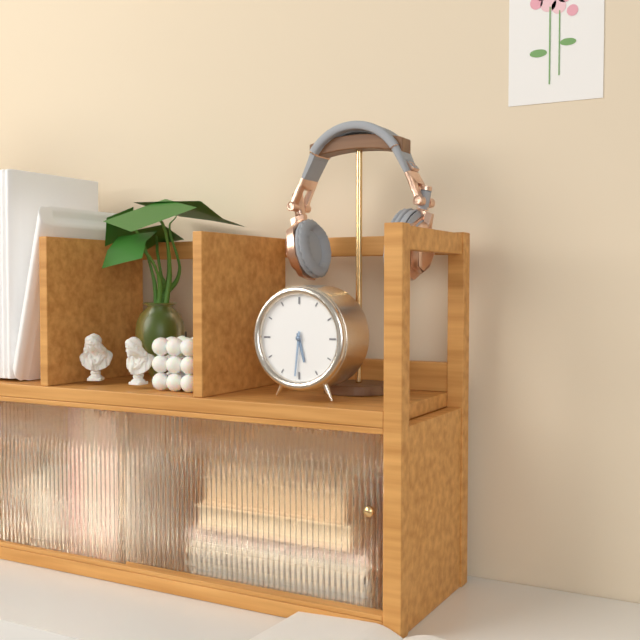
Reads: 5,31
